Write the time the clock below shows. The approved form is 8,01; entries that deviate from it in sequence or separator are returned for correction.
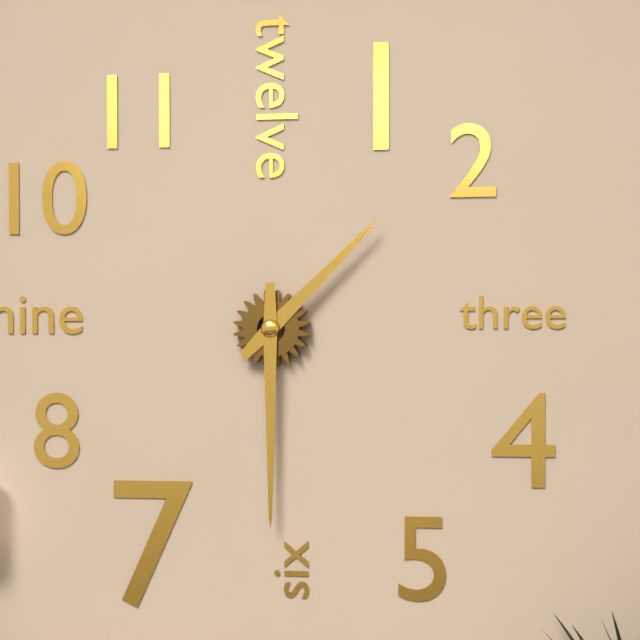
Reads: 1,30
